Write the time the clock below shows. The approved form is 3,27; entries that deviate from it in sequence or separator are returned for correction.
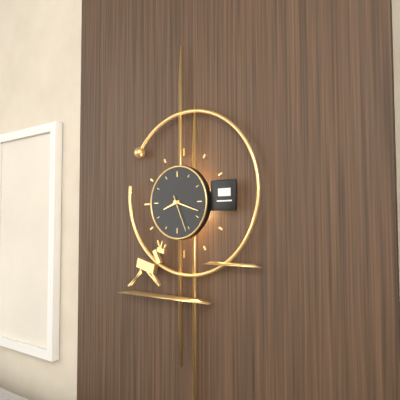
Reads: 8,18
